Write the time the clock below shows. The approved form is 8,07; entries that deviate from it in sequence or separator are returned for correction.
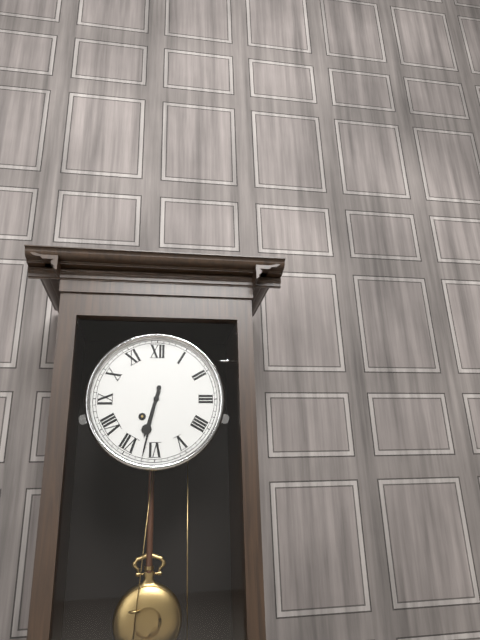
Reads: 6,32
